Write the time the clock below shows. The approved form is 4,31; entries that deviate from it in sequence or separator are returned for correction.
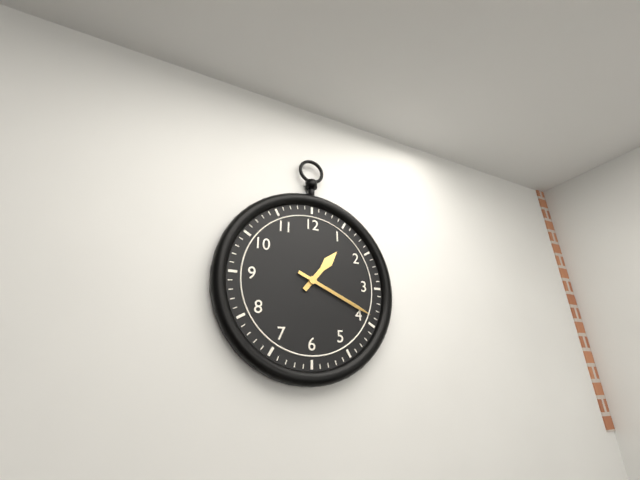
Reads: 1,19
